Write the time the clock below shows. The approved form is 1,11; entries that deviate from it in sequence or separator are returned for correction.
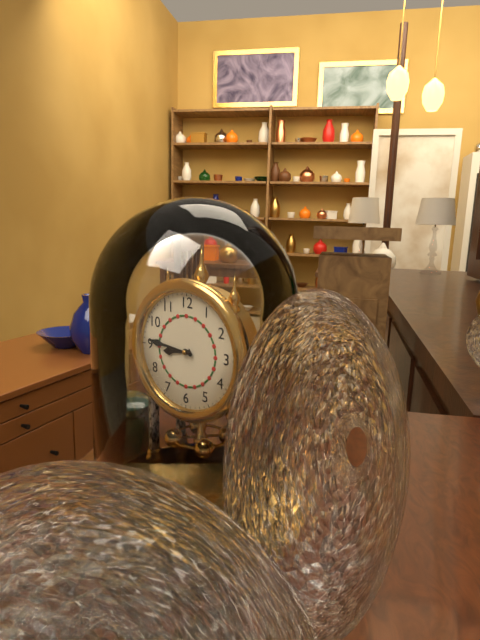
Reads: 8,46
